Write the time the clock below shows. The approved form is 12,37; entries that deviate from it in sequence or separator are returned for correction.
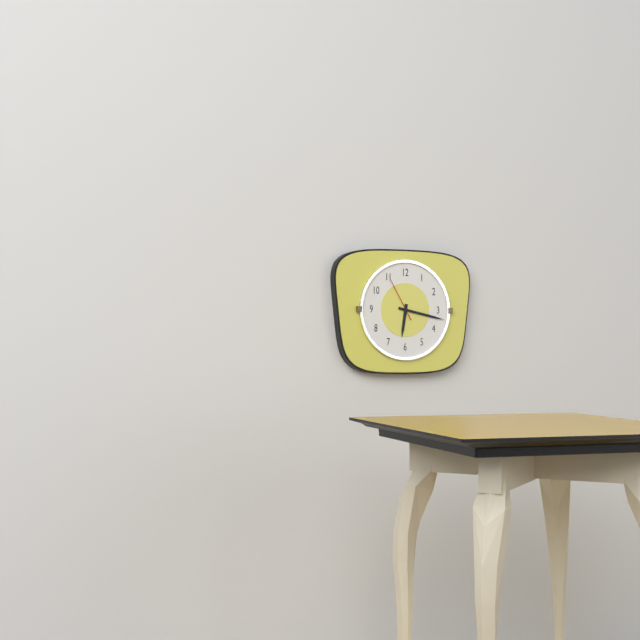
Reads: 6,17
